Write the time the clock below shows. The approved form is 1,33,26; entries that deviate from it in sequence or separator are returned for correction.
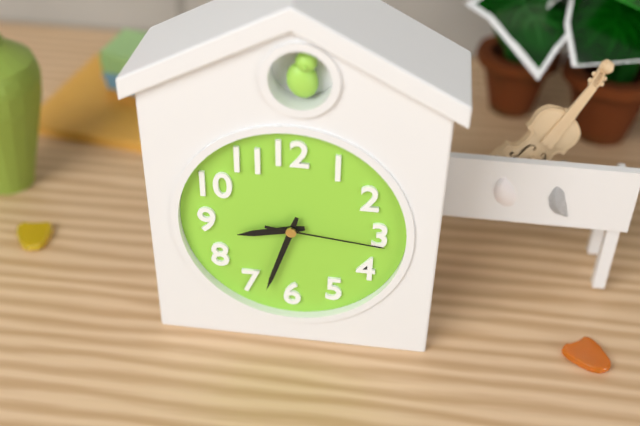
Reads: 8,33,16
